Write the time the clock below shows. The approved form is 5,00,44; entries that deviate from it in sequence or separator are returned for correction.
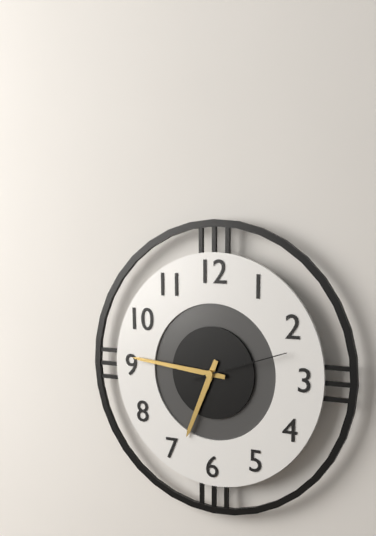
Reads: 6,46,12
